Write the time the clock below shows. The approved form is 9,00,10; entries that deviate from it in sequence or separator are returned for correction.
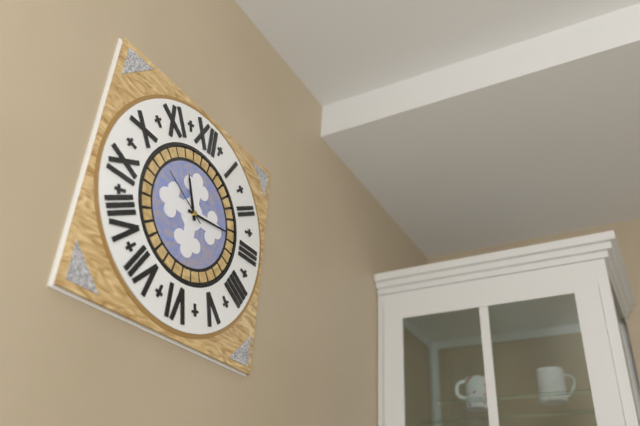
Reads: 11,14,50
